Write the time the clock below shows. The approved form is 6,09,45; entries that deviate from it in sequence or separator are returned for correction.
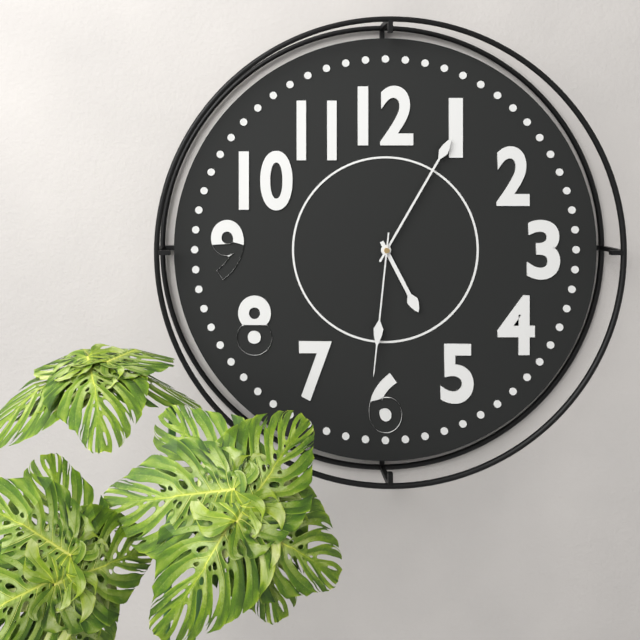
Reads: 5,05,31
